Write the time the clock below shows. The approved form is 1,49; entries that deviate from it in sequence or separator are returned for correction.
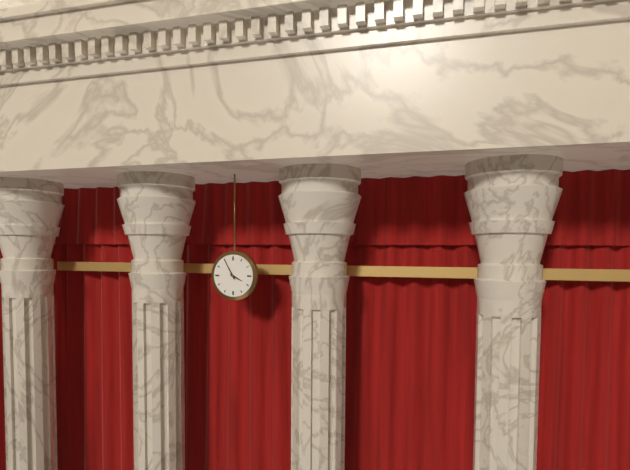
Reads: 3,55
